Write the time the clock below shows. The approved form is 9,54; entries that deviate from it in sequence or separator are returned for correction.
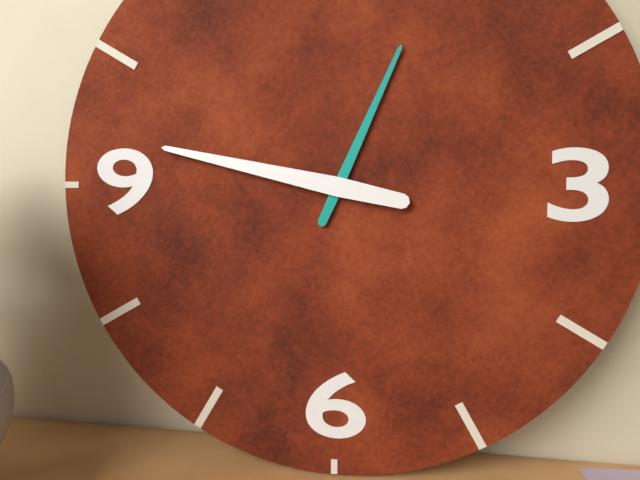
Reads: 12,47
